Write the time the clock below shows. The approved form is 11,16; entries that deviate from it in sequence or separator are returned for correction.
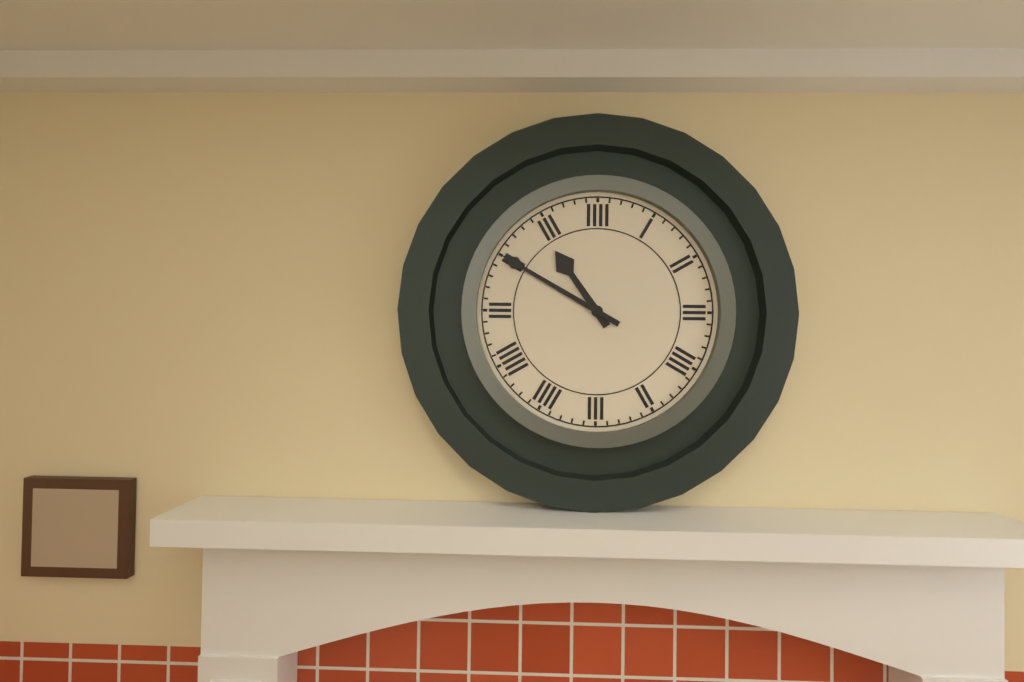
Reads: 10,50
